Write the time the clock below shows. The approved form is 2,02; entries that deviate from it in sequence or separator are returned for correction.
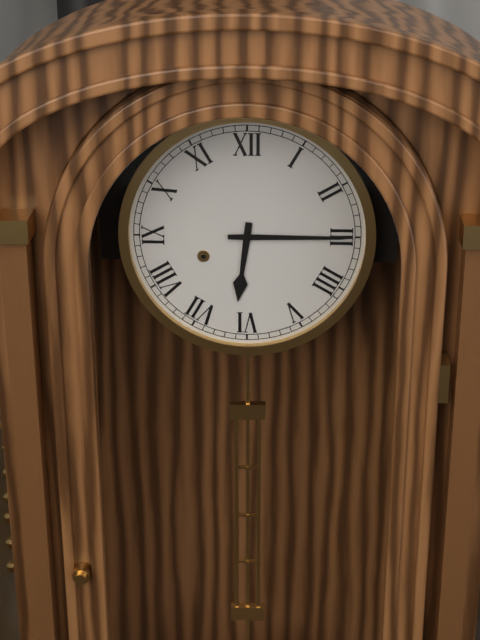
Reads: 6,15
